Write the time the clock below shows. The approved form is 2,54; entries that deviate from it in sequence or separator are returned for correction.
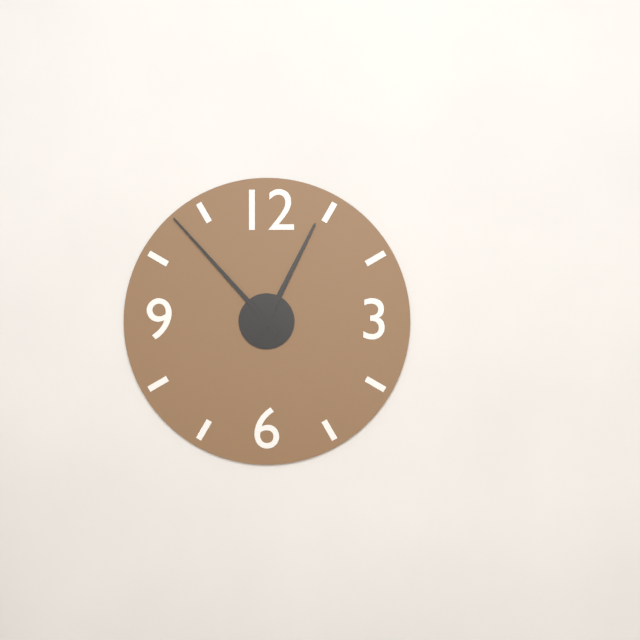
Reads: 12,53
